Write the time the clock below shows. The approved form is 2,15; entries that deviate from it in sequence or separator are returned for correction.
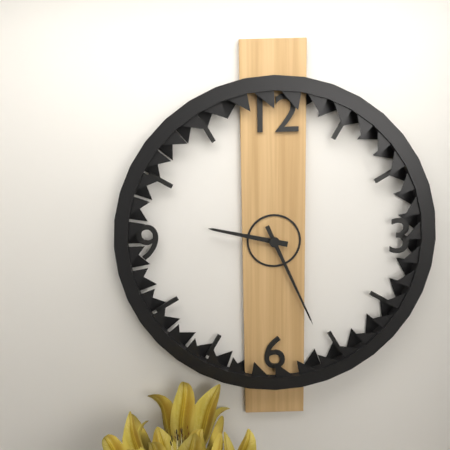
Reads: 9,26
